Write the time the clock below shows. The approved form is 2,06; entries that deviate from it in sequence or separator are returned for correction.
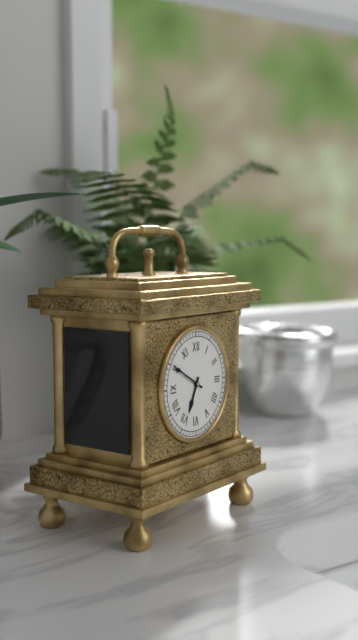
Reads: 6,50
